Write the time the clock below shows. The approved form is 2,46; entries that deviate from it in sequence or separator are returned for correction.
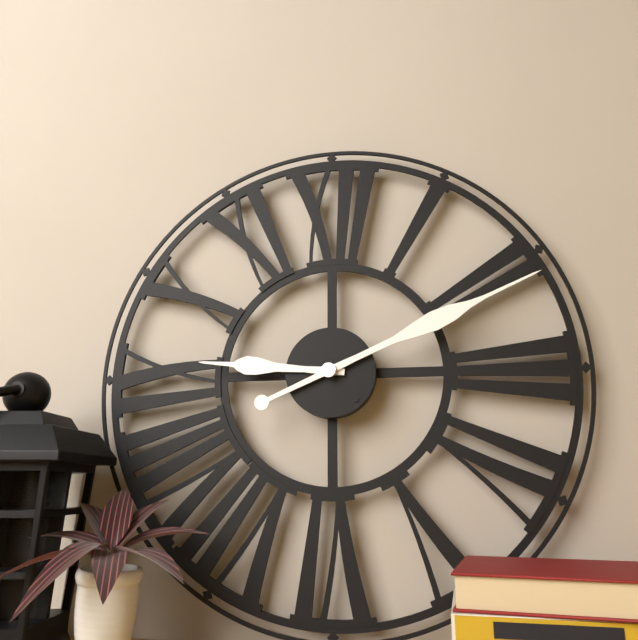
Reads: 9,11
